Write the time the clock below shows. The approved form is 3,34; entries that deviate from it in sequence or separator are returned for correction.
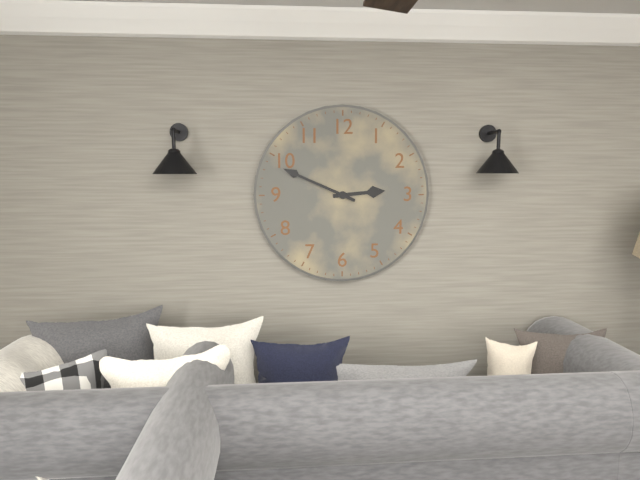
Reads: 2,49
